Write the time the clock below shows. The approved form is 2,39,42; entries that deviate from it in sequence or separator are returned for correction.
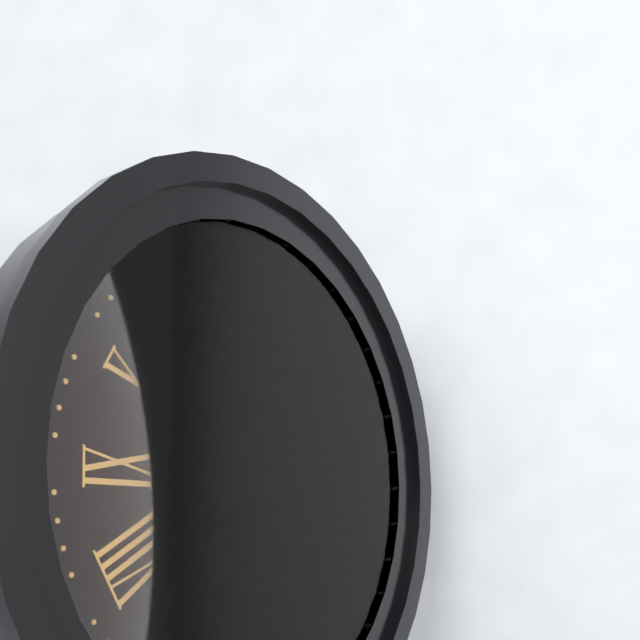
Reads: 12,26,22
